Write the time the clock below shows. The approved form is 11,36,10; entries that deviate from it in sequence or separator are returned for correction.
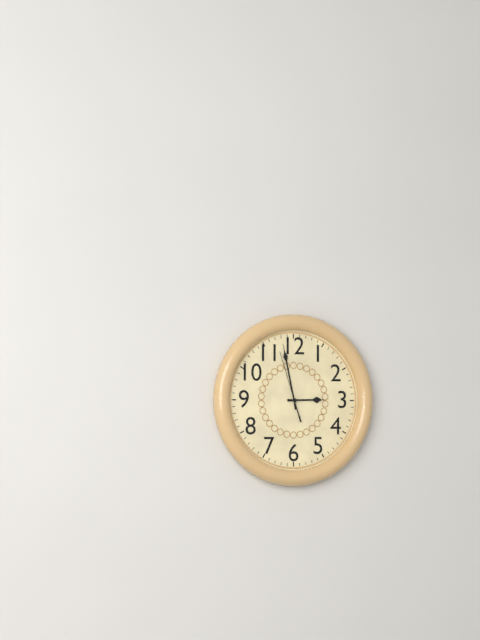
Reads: 2,58,57
